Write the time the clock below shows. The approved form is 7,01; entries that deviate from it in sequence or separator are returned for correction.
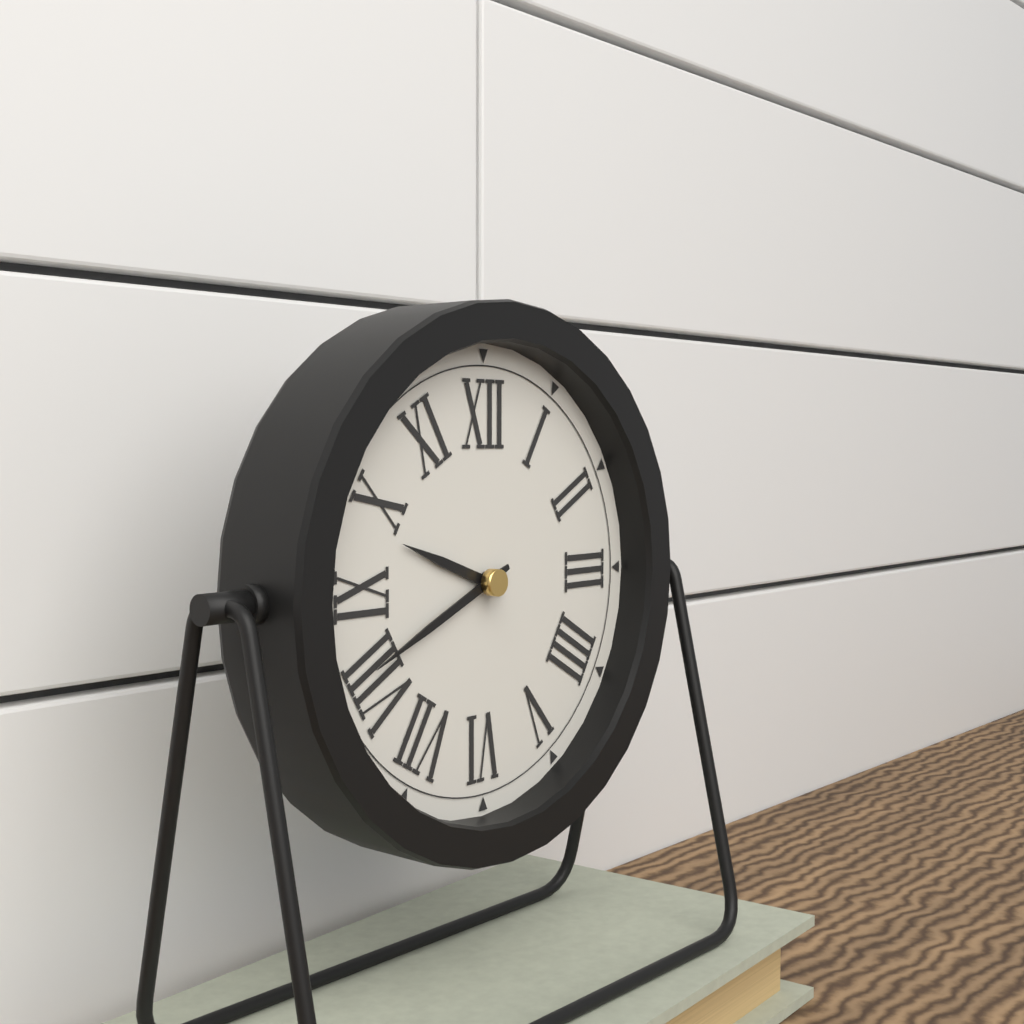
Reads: 9,41
